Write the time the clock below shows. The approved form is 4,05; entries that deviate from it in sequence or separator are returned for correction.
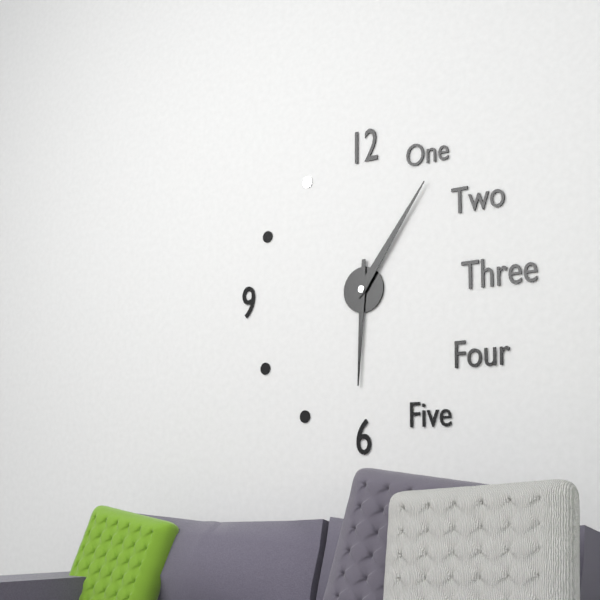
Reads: 6,06
